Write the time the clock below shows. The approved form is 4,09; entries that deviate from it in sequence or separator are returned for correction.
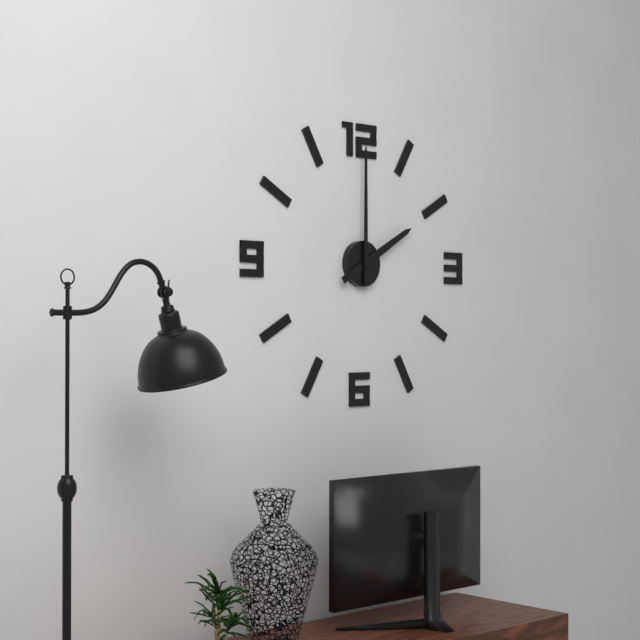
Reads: 2,00
